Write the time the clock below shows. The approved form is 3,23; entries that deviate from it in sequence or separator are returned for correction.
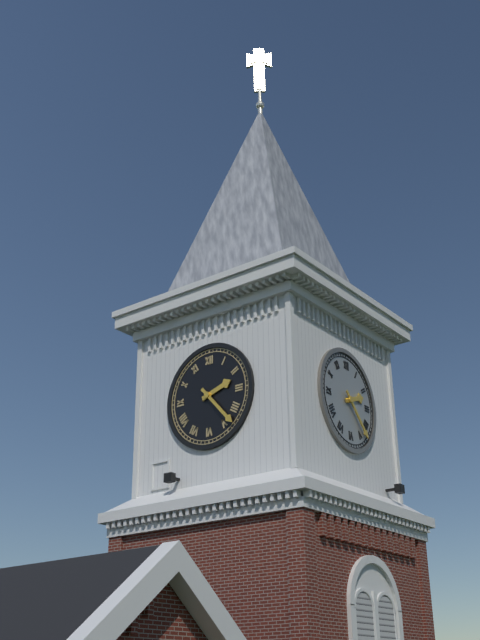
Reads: 2,23
